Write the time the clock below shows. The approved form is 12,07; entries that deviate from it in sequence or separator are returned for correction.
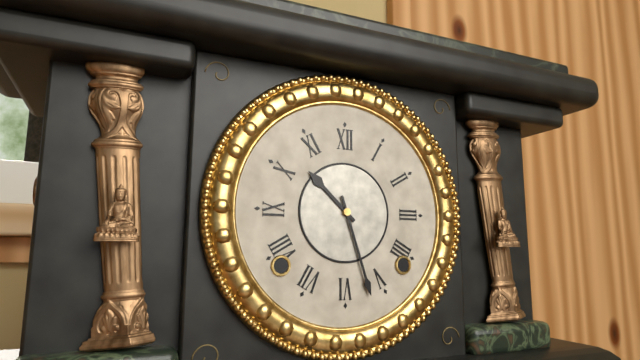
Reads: 10,27
